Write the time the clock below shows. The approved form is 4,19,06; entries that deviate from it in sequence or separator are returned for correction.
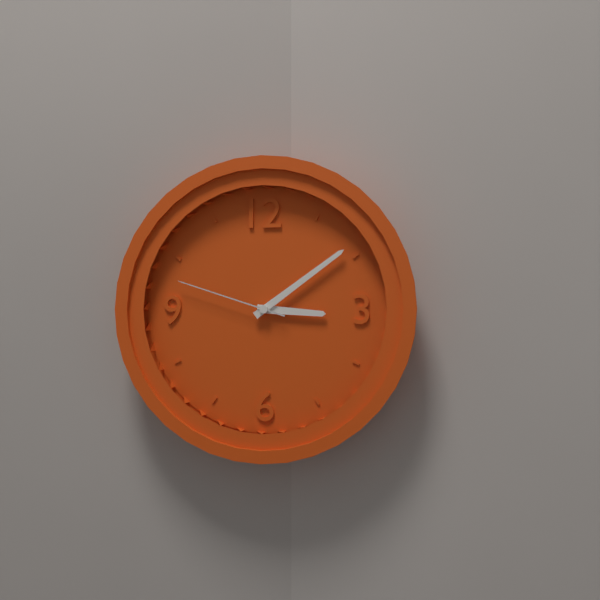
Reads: 3,09,48
